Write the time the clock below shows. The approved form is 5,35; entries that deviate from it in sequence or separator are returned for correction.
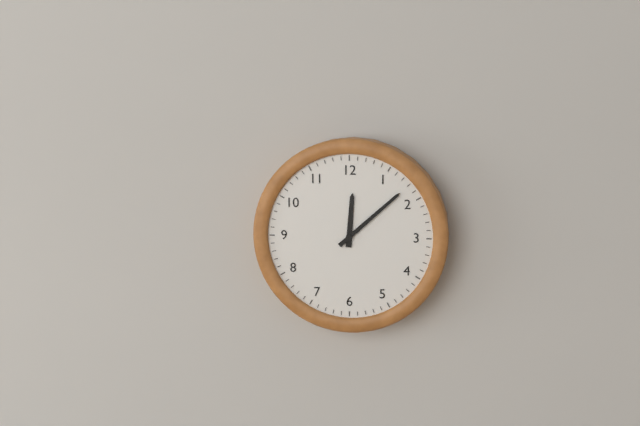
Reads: 12,08
